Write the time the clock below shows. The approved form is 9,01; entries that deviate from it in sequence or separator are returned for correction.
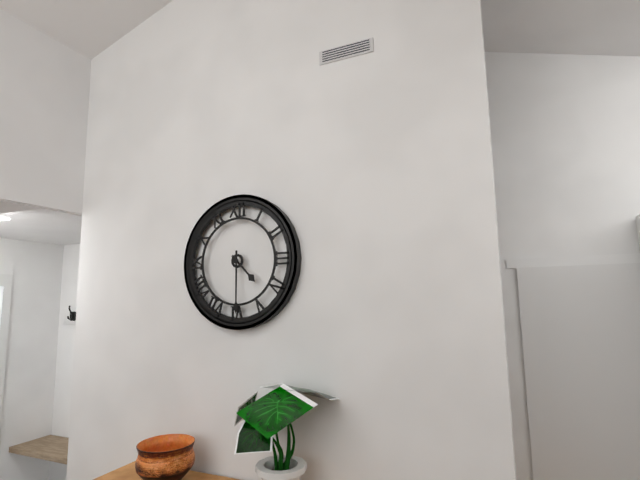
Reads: 4,30
